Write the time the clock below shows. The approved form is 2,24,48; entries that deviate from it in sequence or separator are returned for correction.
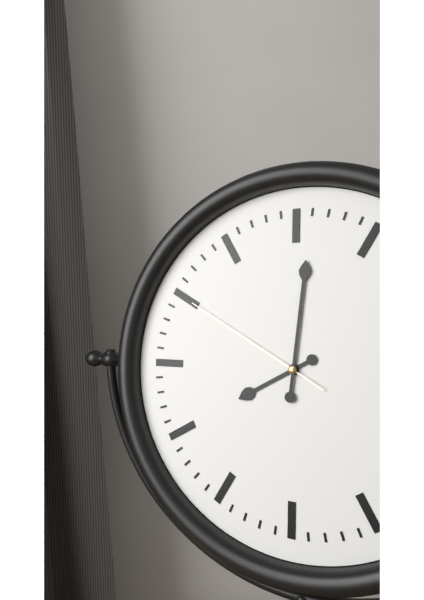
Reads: 8,01,50
